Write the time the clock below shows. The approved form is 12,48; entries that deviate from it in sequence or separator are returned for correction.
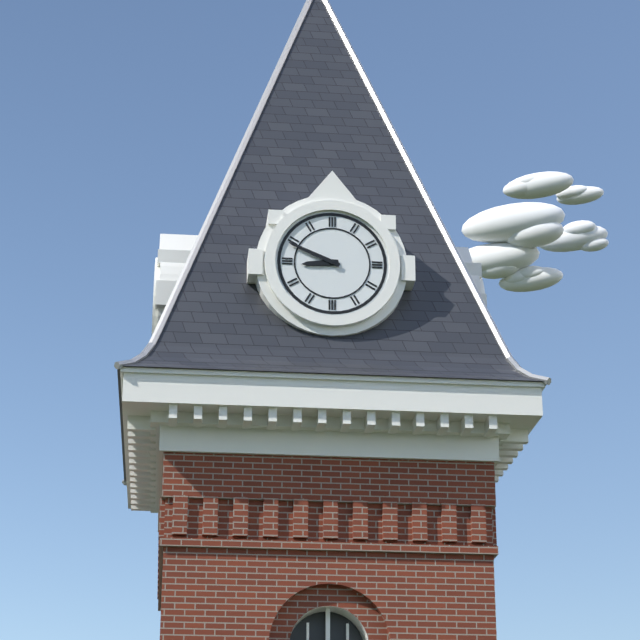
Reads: 8,49
